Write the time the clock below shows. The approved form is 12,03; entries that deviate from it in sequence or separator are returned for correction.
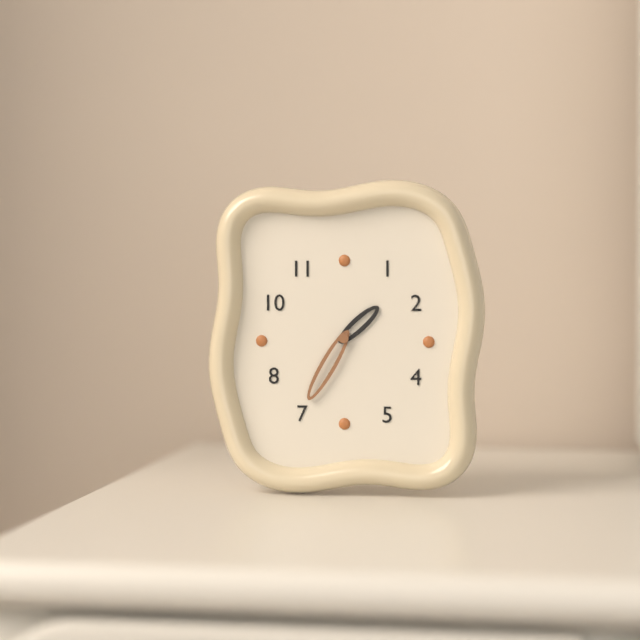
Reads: 1,35
